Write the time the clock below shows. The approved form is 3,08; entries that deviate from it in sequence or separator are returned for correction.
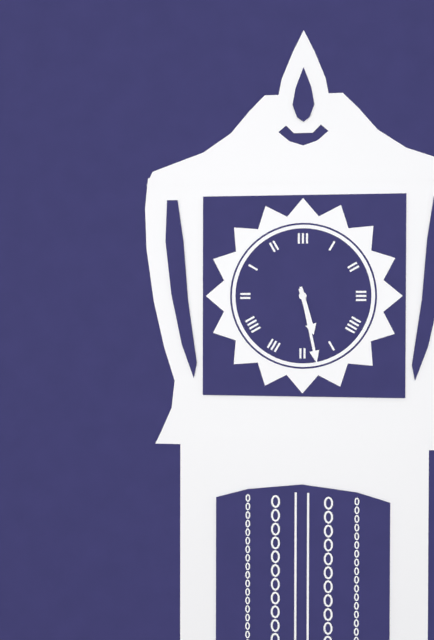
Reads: 5,28
